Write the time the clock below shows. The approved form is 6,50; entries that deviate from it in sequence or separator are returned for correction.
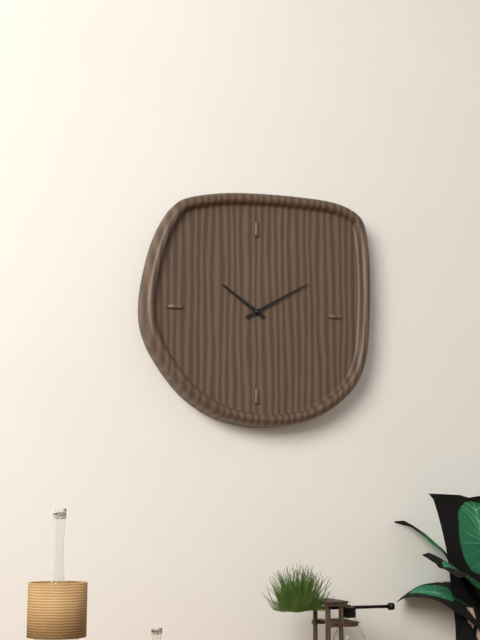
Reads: 10,10
